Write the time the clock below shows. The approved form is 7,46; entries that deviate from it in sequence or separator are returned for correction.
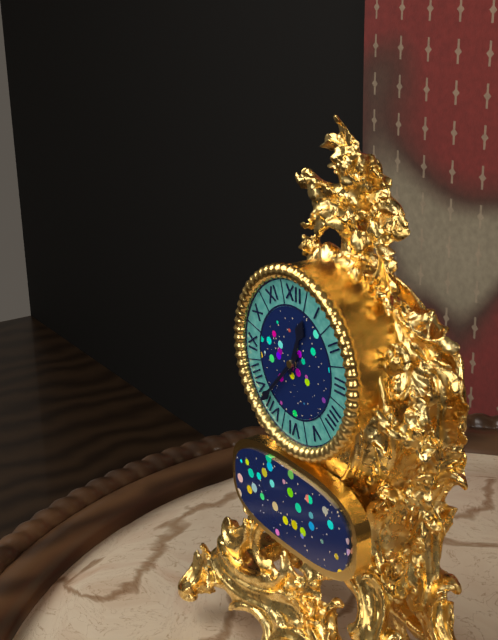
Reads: 12,37
